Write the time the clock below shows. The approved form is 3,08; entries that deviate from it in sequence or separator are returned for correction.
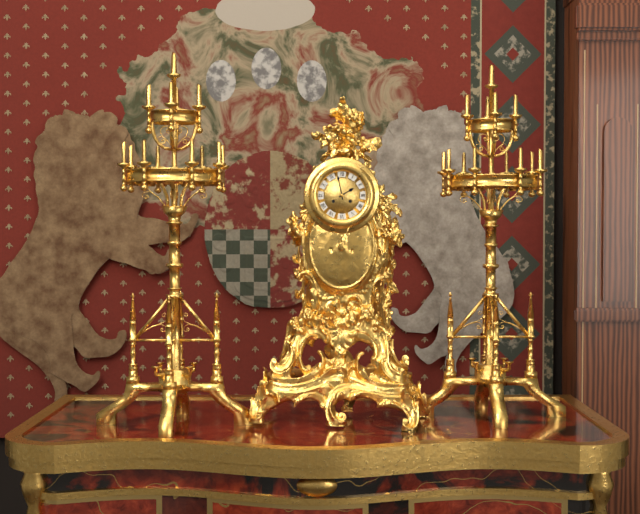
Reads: 1,58
